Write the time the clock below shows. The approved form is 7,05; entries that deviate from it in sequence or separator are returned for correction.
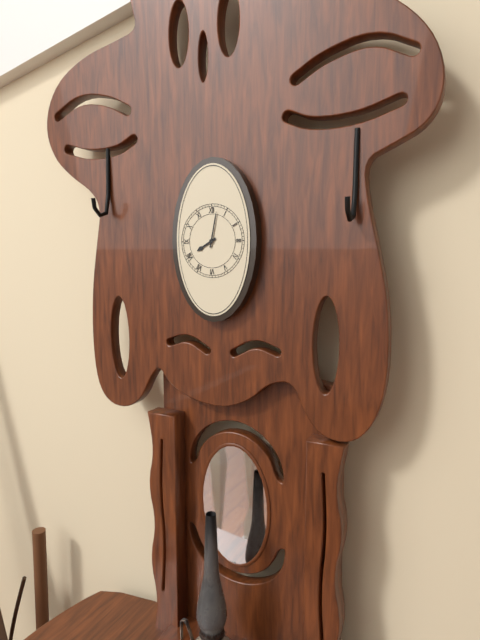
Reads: 8,02
